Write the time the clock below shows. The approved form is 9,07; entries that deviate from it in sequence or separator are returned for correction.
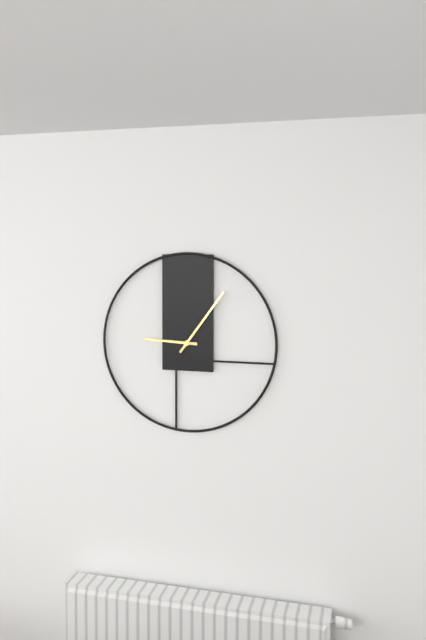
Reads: 9,06
